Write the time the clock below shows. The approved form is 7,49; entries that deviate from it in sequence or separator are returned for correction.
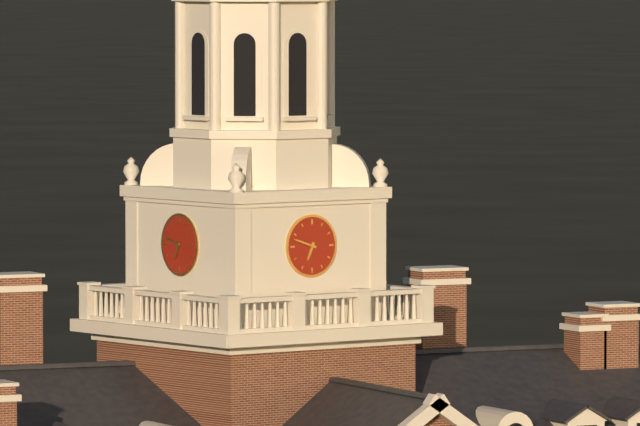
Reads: 6,48
